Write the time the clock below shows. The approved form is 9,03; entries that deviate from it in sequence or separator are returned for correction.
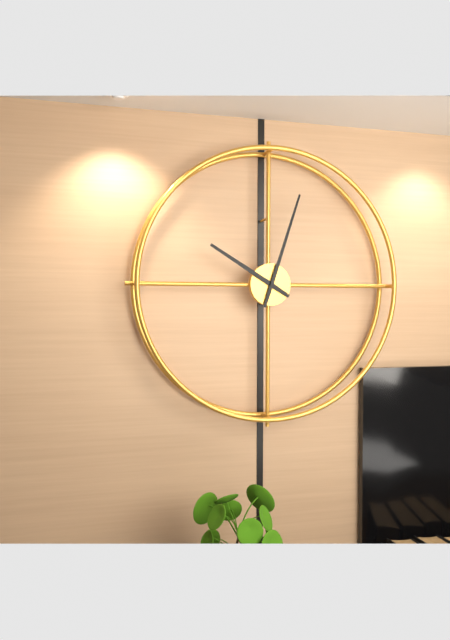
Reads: 10,03
